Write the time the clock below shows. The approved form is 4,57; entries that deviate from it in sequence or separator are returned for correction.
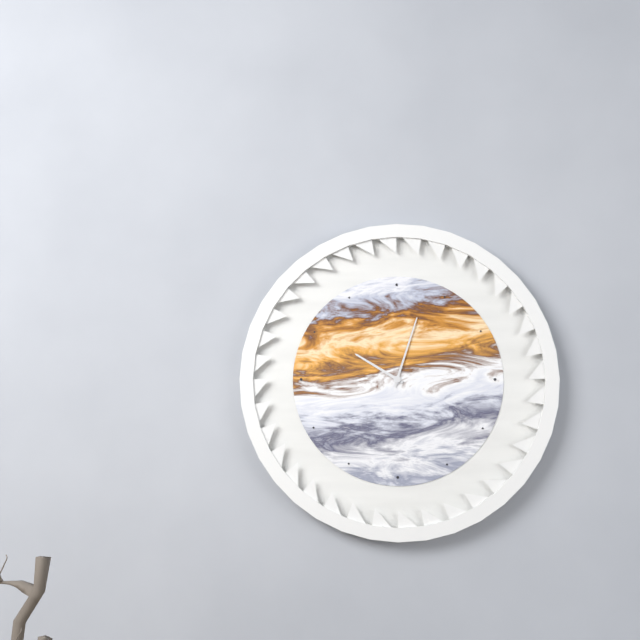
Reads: 10,03
